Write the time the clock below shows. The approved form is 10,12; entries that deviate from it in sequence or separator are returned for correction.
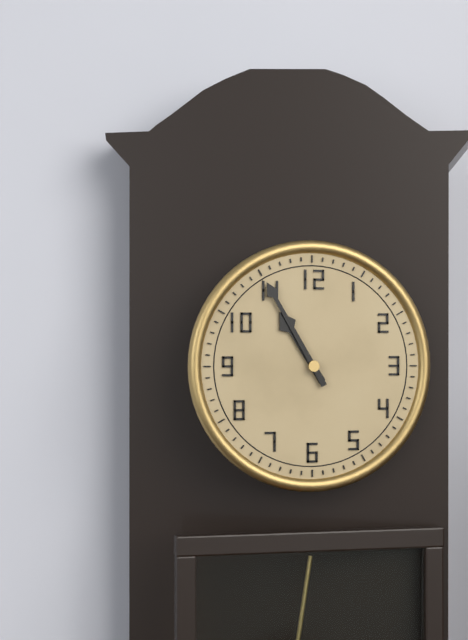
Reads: 10,55
